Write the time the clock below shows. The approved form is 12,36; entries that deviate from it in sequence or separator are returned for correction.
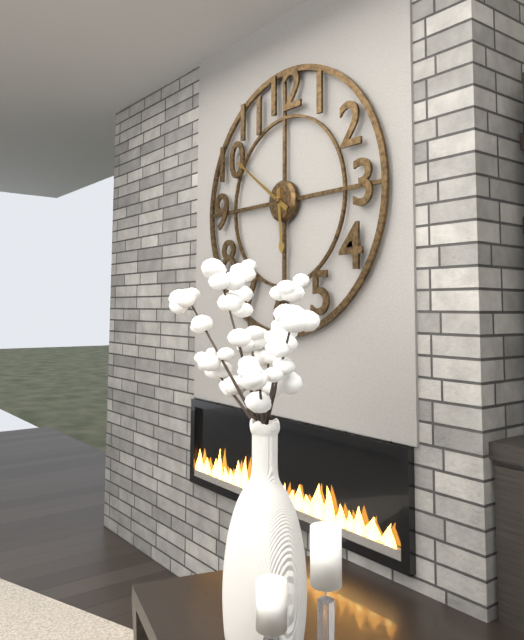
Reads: 5,51
